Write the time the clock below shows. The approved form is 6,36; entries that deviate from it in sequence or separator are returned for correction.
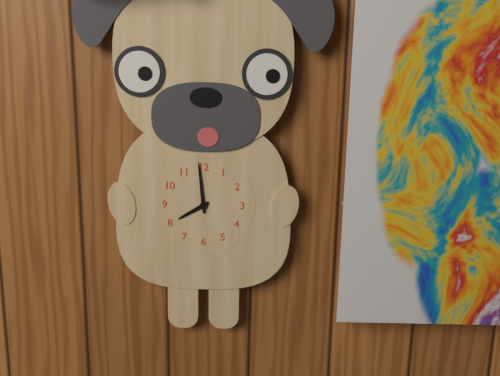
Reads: 7,59
